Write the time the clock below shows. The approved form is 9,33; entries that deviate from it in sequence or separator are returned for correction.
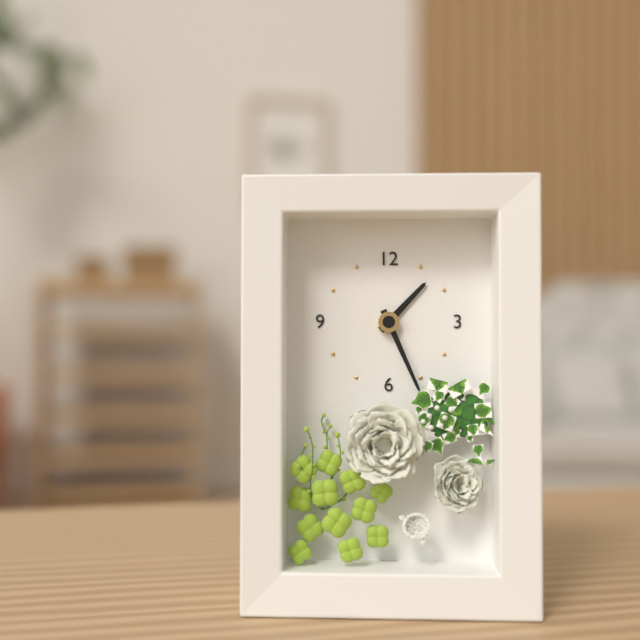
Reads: 1,26
